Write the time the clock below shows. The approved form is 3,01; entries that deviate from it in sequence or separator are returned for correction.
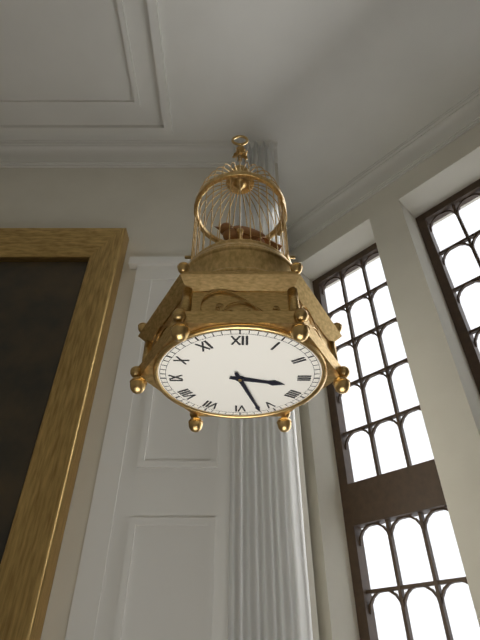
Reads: 3,27
